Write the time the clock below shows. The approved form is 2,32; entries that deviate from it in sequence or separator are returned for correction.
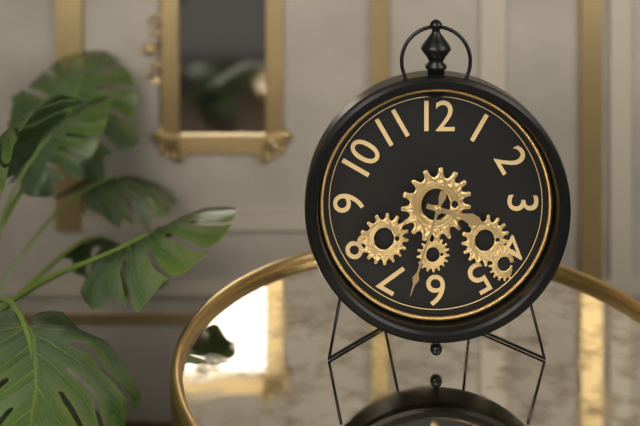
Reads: 3,33
